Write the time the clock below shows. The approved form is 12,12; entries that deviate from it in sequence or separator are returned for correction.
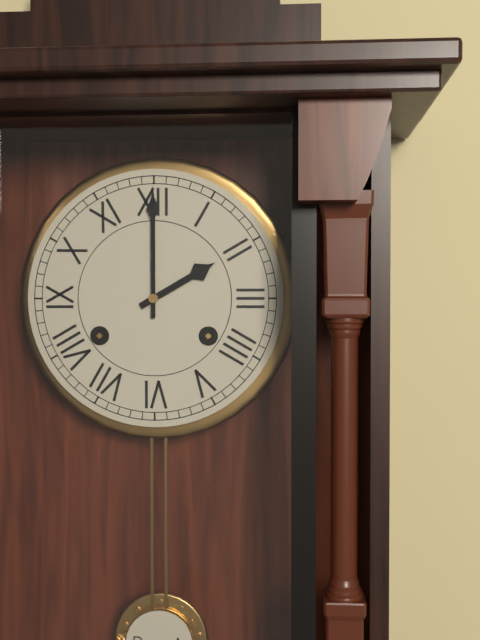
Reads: 2,00
